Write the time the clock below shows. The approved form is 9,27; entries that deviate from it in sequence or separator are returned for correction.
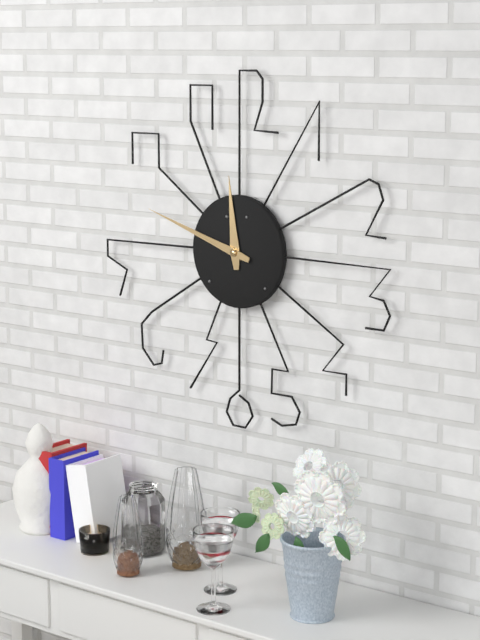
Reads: 11,48
